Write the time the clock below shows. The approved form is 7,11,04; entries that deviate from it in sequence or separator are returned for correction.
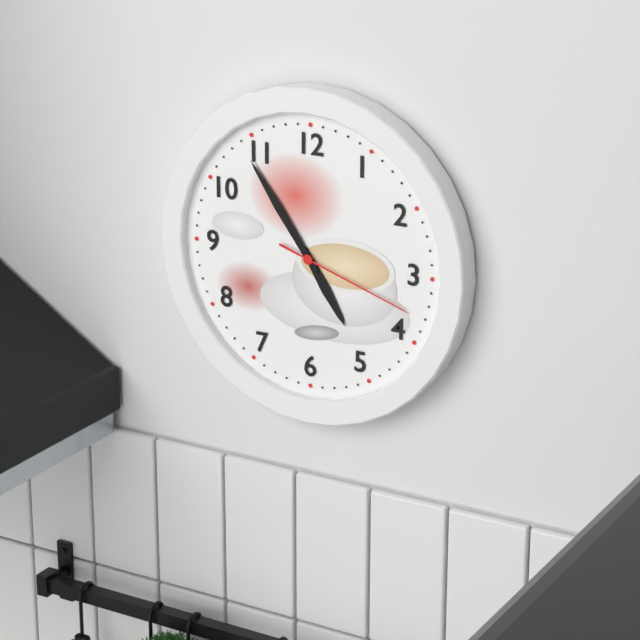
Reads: 4,54,18
